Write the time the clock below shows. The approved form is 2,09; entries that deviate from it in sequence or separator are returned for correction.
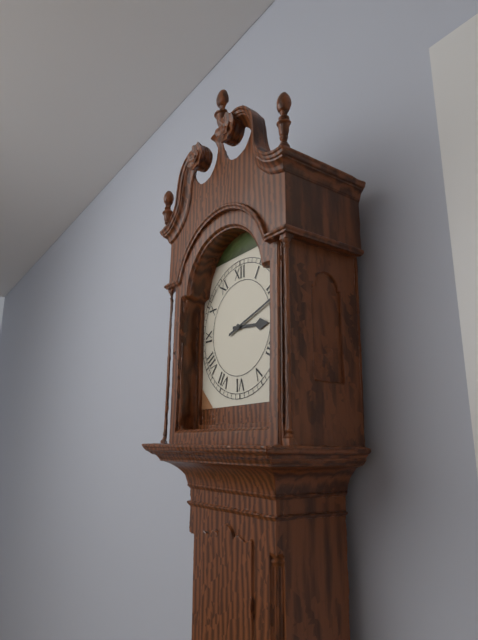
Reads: 3,12
